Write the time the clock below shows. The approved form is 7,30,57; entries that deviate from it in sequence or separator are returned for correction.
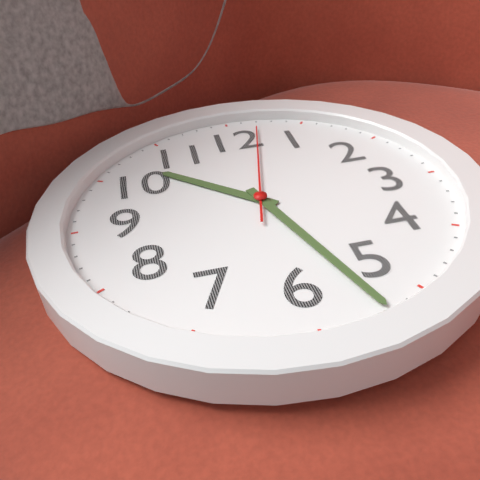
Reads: 10,27,02
